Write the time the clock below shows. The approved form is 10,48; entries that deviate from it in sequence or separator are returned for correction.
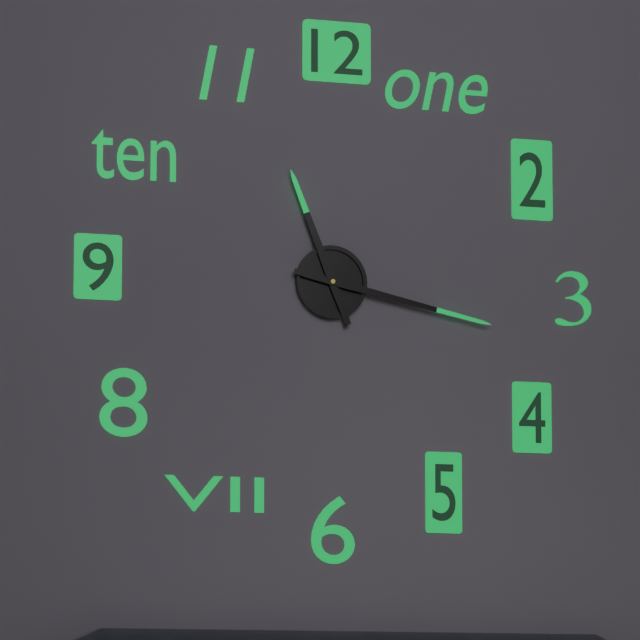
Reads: 11,17
